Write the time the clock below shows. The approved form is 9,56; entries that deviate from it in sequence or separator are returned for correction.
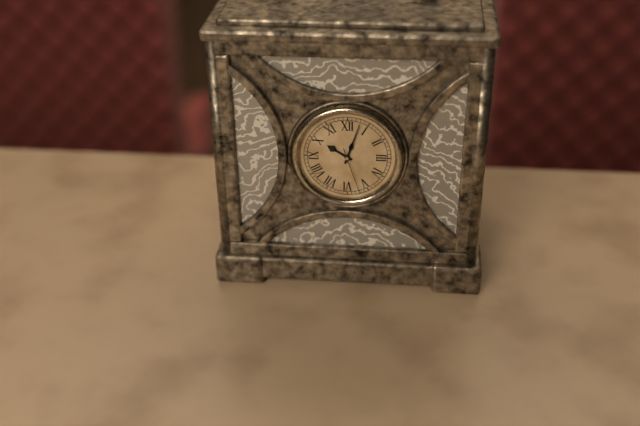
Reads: 10,03
